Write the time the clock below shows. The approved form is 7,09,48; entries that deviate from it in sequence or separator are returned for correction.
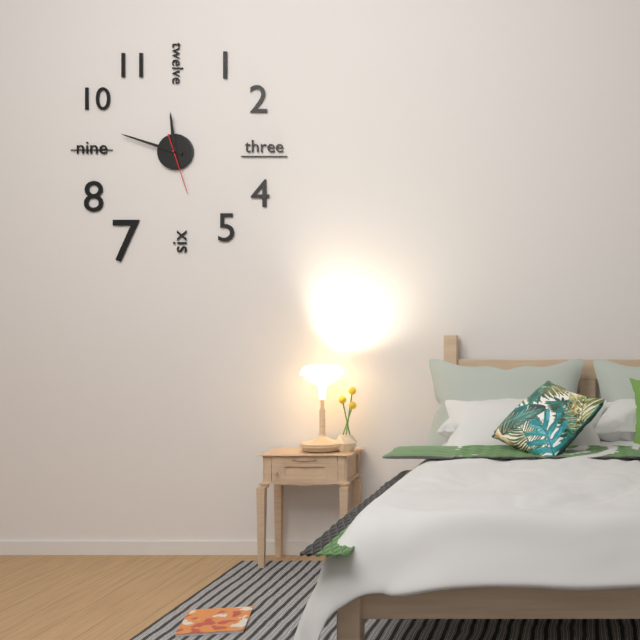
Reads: 11,48,27
